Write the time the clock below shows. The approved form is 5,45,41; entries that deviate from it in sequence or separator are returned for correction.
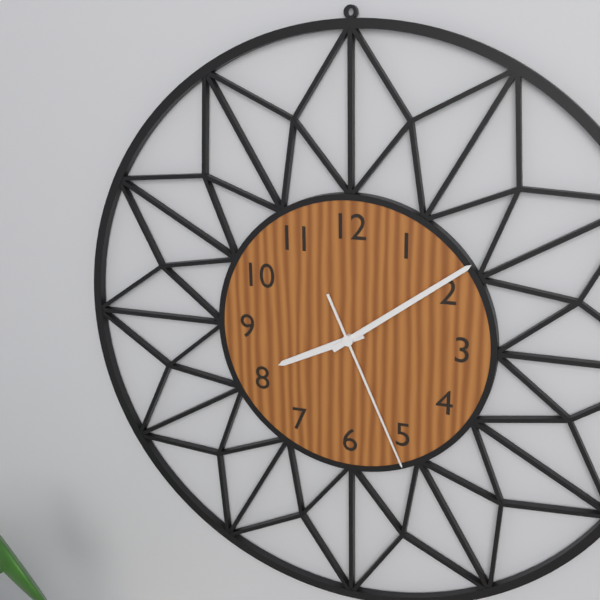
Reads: 8,09,26
